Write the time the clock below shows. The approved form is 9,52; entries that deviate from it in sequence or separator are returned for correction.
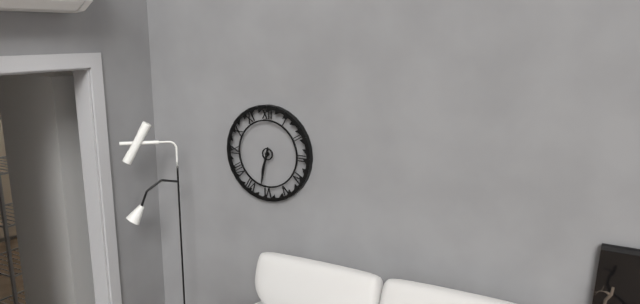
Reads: 6,32
